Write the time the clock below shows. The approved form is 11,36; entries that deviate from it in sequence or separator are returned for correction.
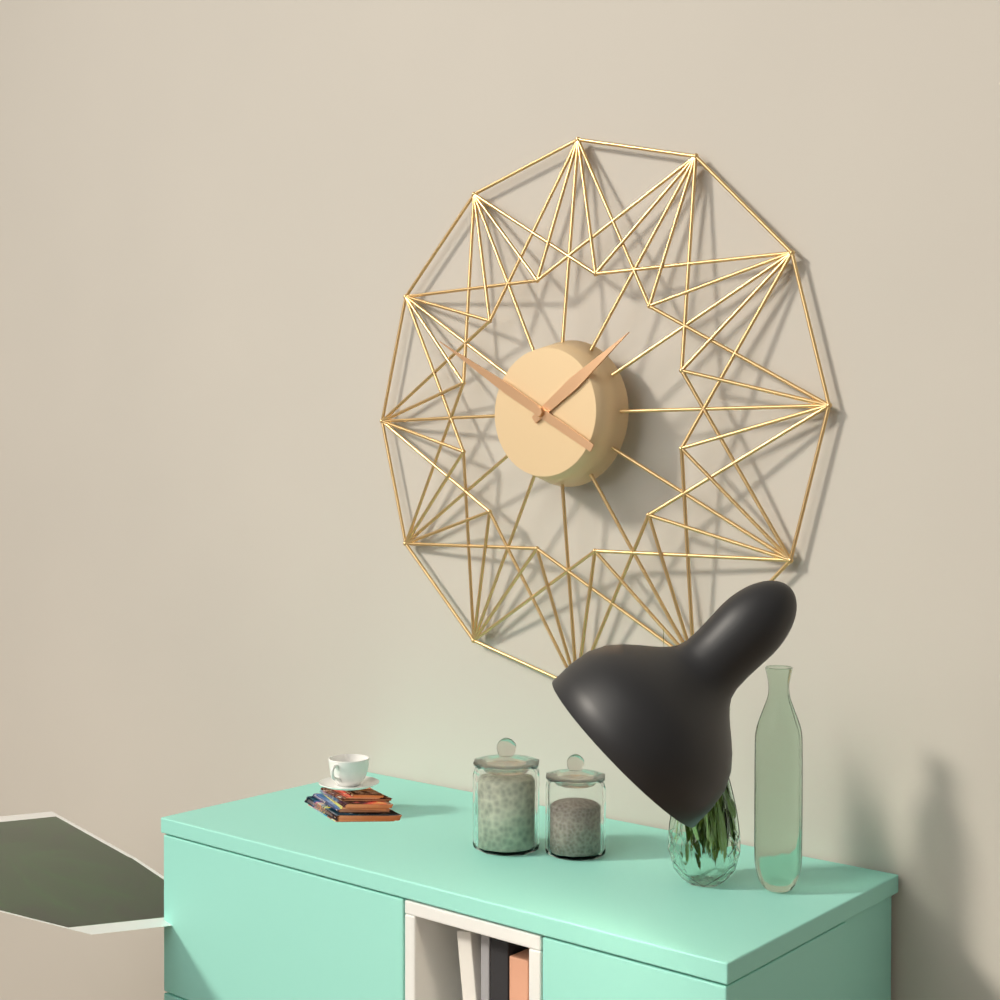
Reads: 1,50
